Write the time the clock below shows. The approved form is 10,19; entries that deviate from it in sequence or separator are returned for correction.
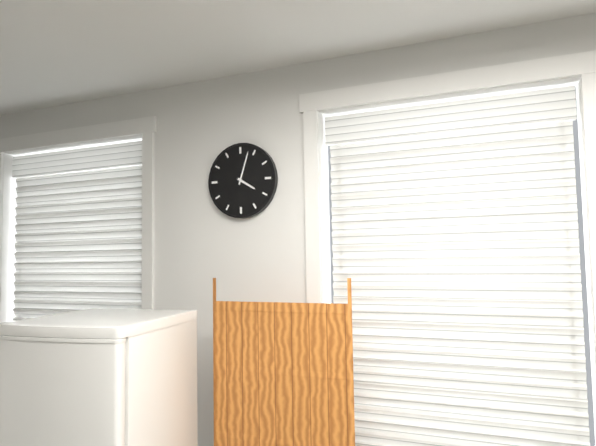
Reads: 4,03
